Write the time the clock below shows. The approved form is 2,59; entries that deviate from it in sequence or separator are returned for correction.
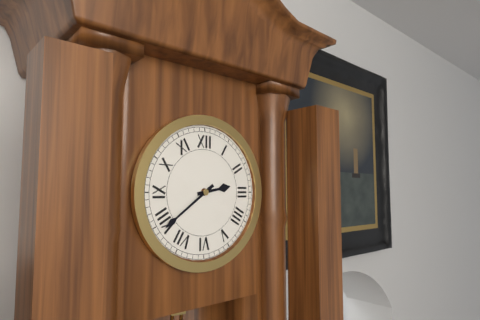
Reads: 2,39
